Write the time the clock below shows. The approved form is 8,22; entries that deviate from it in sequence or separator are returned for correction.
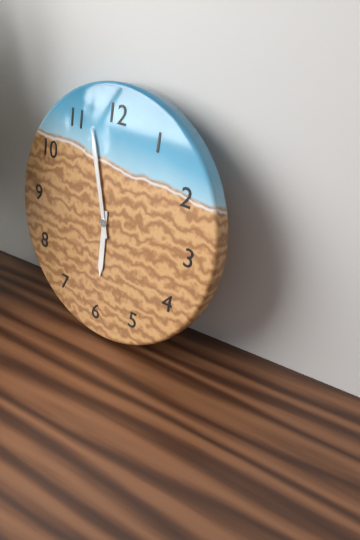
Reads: 5,57
